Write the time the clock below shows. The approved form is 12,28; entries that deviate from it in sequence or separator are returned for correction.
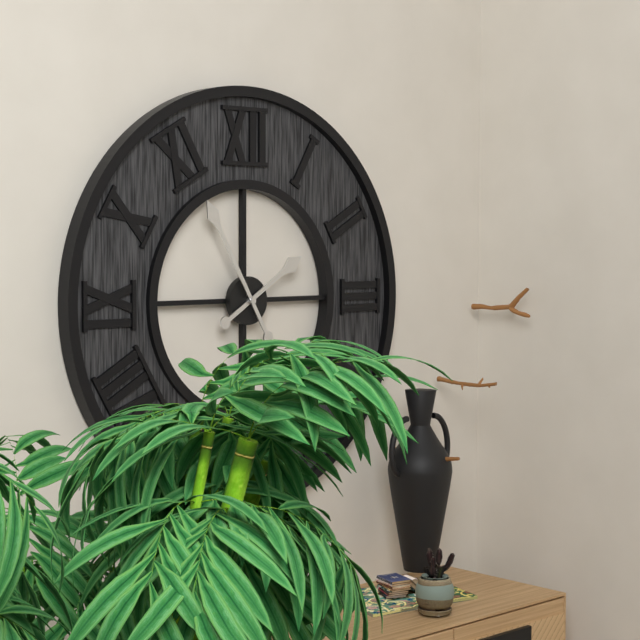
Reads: 1,55
